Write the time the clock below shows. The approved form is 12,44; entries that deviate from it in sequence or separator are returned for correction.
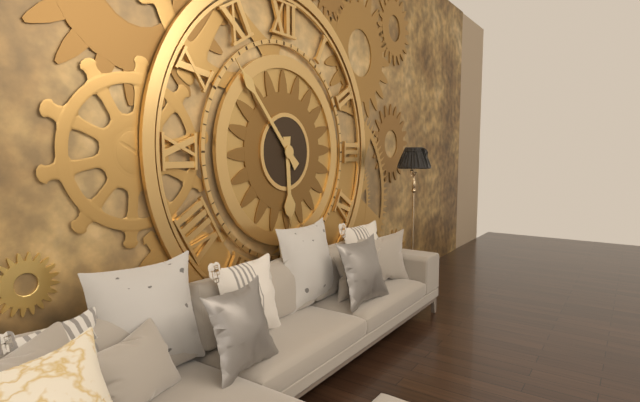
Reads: 5,53
